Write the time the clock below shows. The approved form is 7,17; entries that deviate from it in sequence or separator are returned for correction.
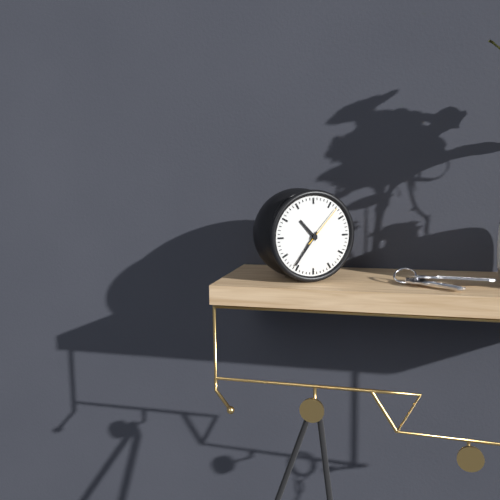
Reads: 10,36
